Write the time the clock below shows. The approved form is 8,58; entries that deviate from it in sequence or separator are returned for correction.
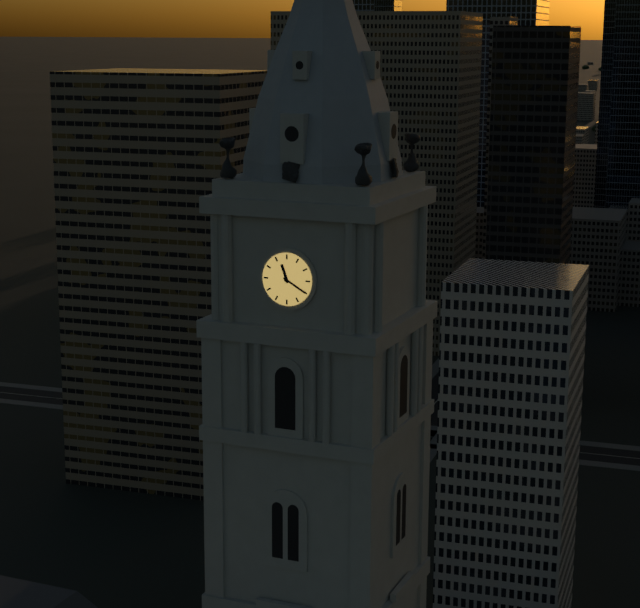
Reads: 11,20
